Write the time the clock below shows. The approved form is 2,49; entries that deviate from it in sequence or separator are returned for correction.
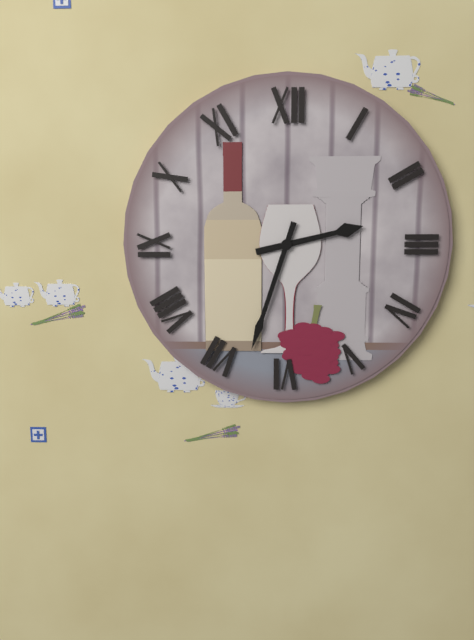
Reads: 2,33
